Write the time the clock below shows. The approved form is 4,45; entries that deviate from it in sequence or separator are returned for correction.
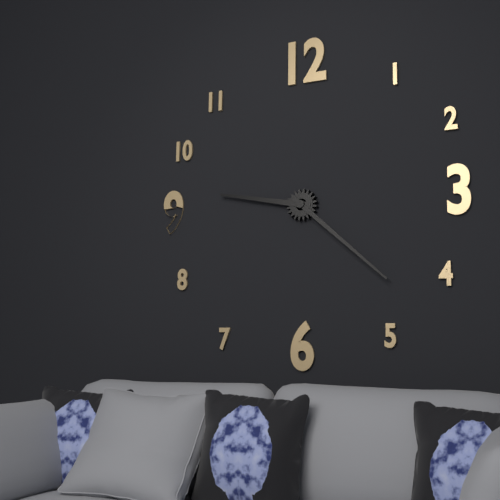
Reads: 9,22
